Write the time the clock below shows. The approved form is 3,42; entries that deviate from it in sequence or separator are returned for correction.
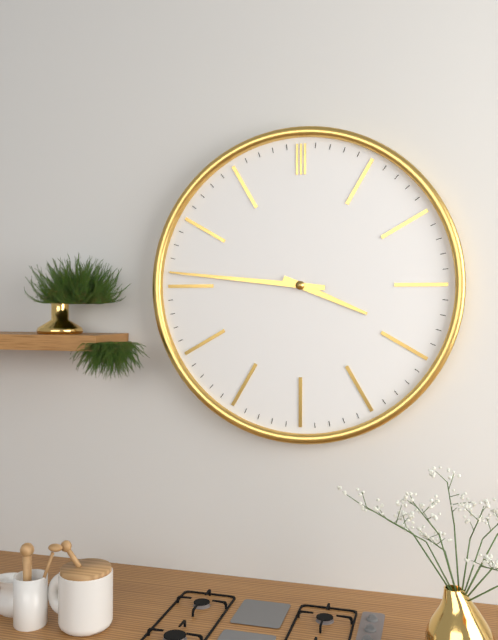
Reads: 3,46
